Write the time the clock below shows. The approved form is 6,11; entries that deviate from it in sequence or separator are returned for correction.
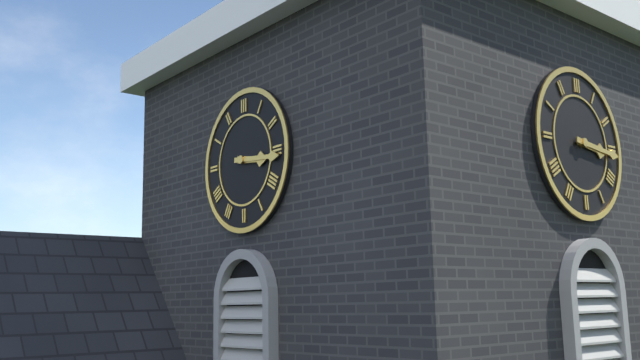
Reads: 3,16
